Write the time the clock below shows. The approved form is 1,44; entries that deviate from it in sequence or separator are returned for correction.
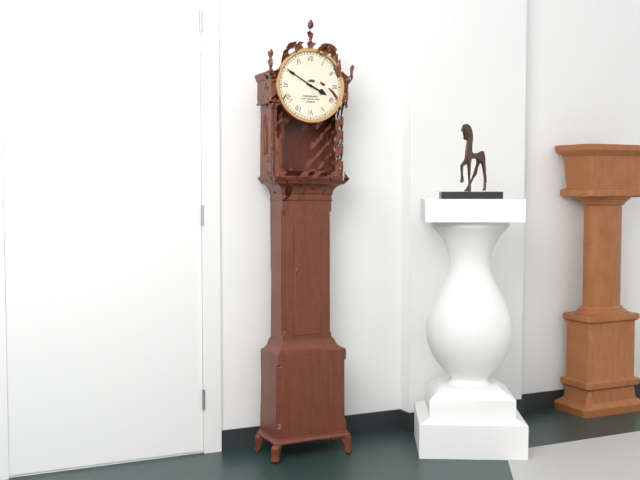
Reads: 3,50
